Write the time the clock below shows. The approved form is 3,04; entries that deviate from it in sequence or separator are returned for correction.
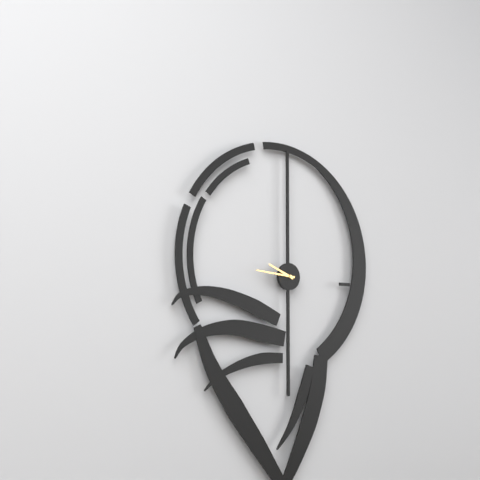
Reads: 9,46
